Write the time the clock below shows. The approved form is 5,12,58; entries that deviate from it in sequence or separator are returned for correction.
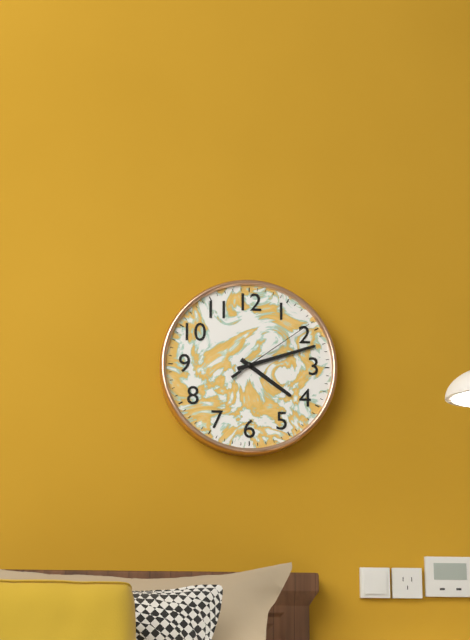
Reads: 4,12,09
